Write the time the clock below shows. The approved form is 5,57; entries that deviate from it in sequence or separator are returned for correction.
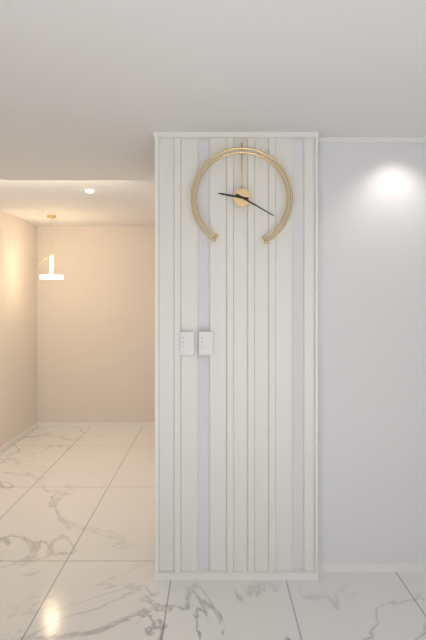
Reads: 9,20
